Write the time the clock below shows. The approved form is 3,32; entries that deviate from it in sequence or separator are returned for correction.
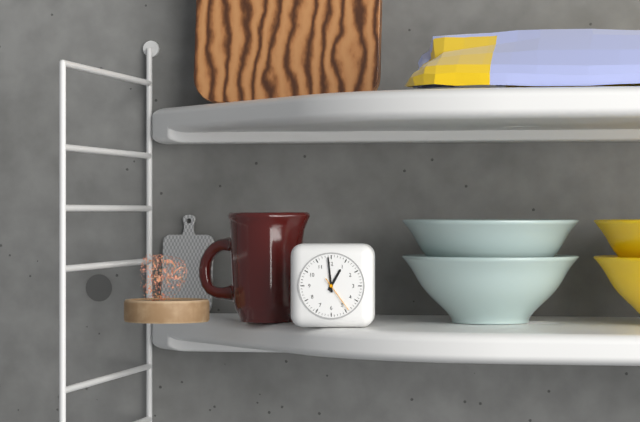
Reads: 12,59
